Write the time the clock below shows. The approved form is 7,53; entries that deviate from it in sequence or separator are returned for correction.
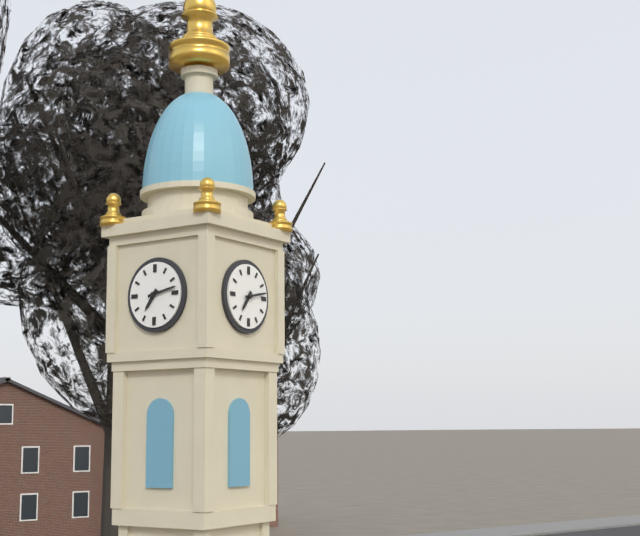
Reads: 7,13
